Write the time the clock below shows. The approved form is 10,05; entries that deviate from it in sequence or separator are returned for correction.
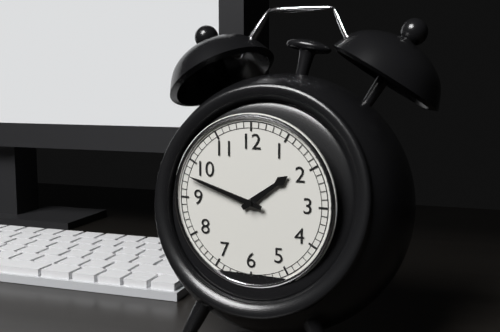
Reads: 1,48
